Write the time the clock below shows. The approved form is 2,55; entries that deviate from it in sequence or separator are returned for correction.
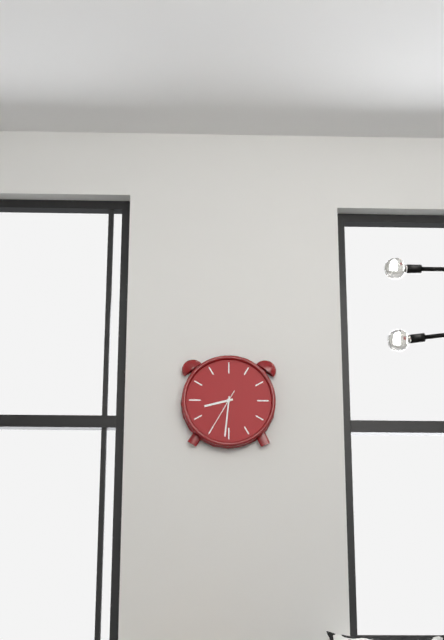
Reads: 8,31
